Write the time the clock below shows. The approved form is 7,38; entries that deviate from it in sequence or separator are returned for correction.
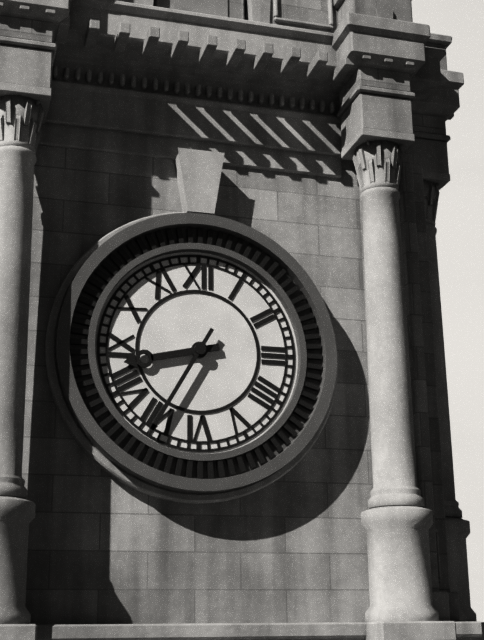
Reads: 8,35
